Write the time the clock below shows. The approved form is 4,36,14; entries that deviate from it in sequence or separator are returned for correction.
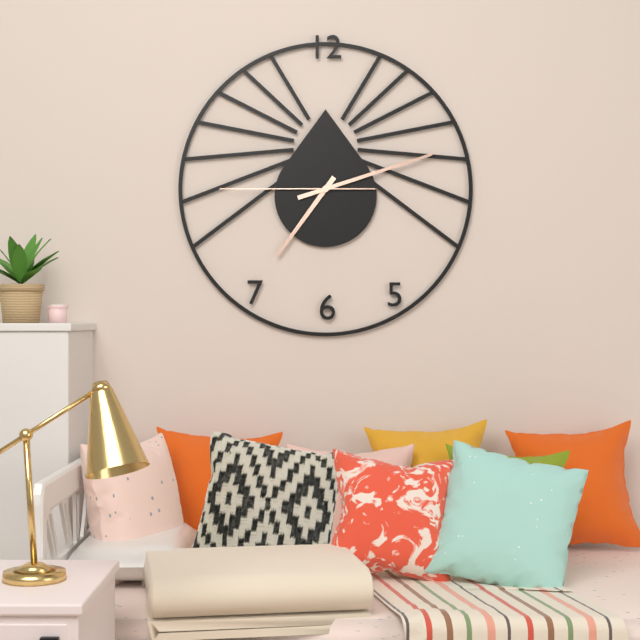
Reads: 7,12,45
